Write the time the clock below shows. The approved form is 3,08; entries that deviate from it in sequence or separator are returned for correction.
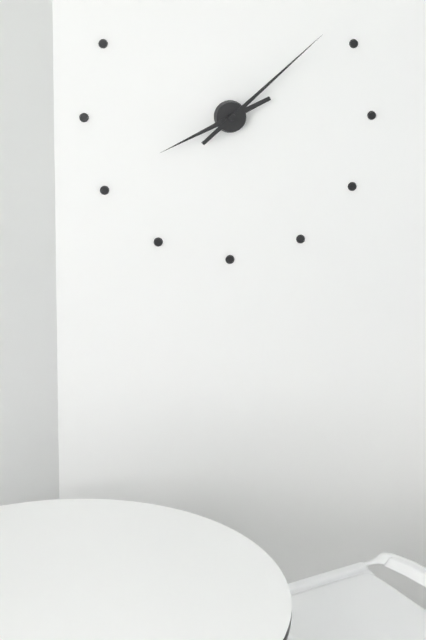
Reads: 8,08
